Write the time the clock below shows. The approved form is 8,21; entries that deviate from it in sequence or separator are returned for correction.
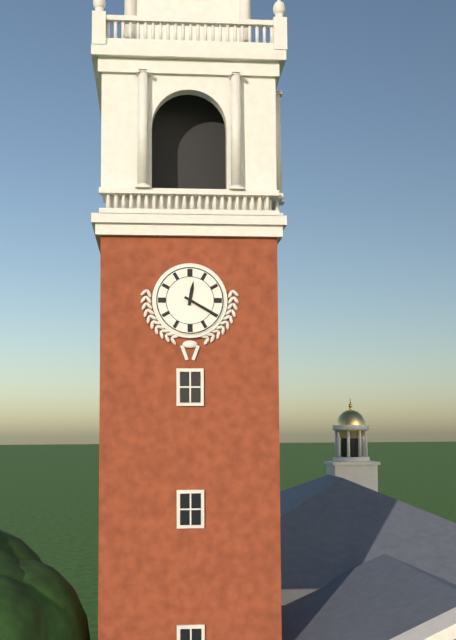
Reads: 12,20
